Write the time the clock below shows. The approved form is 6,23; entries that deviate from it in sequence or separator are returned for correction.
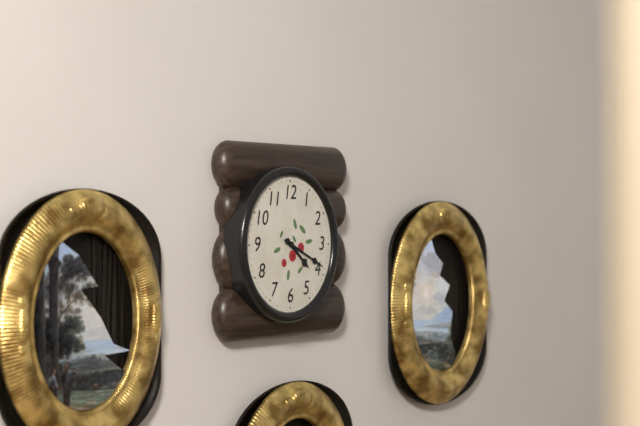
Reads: 4,19
